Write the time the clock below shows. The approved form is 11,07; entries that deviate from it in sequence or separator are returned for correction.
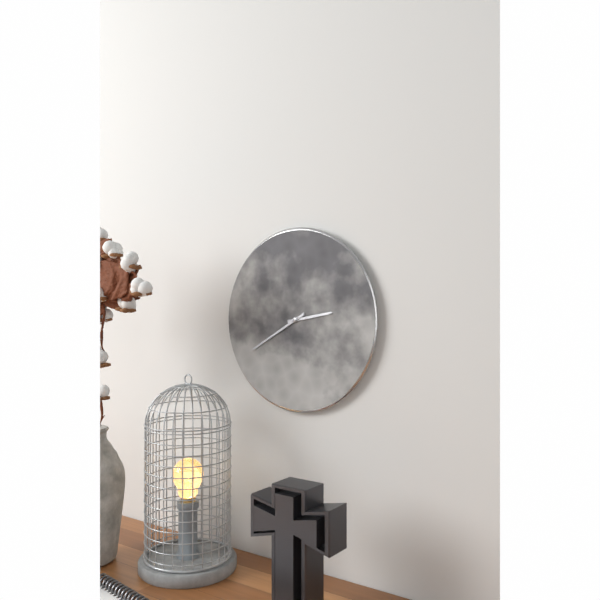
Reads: 2,40
